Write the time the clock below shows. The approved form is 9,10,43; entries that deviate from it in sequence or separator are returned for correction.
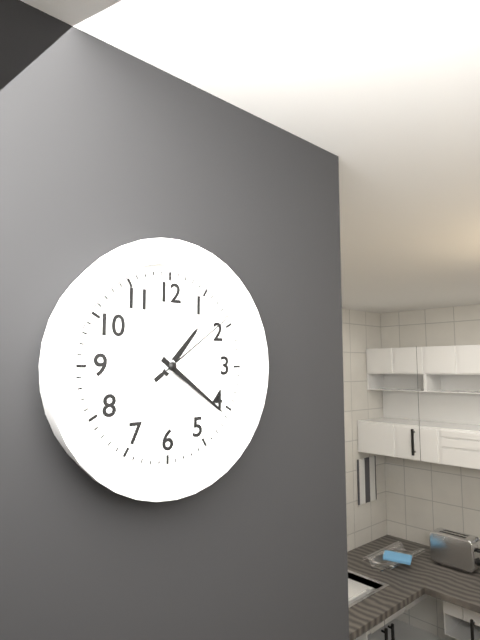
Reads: 1,21,09
